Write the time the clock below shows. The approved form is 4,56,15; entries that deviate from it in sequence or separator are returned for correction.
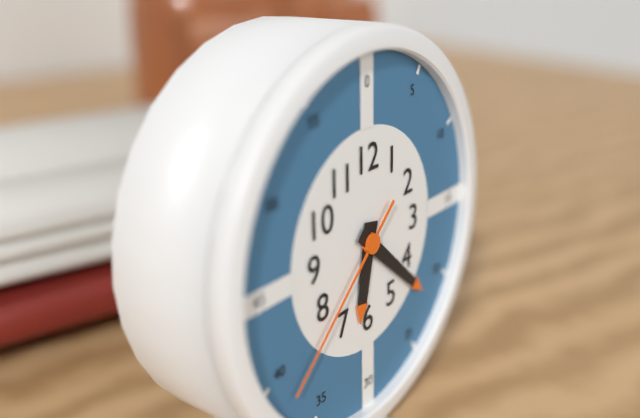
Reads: 6,22,38
